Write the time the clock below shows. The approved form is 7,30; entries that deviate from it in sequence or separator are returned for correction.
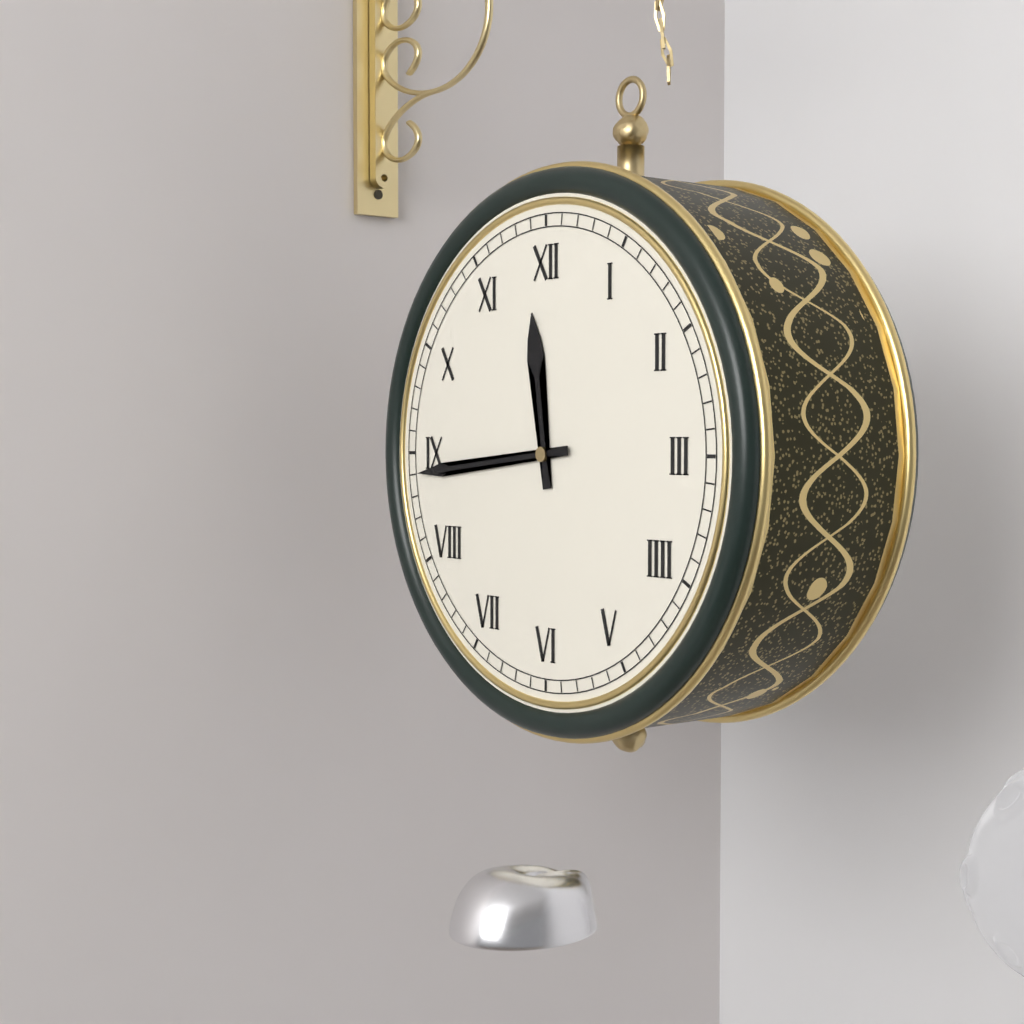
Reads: 11,44
